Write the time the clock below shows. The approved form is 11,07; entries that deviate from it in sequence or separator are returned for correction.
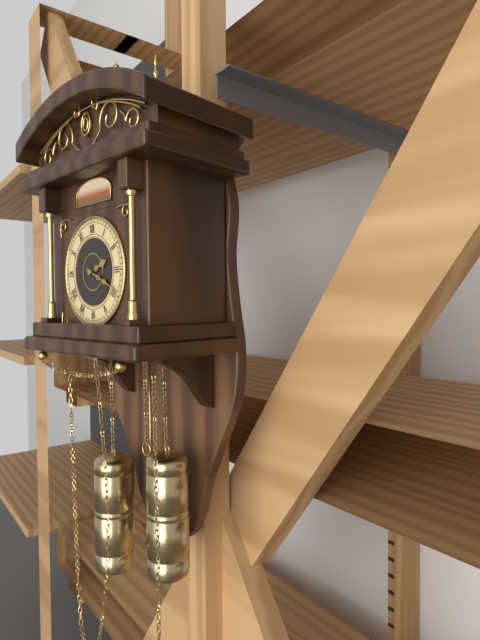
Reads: 2,19
